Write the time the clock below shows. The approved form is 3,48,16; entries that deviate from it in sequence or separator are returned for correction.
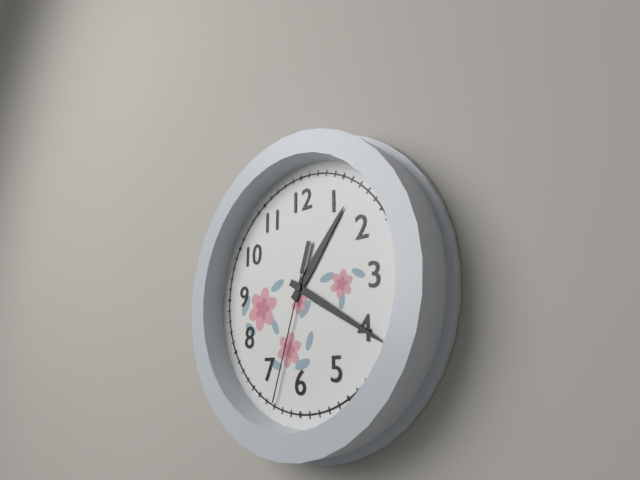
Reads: 1,20,33
